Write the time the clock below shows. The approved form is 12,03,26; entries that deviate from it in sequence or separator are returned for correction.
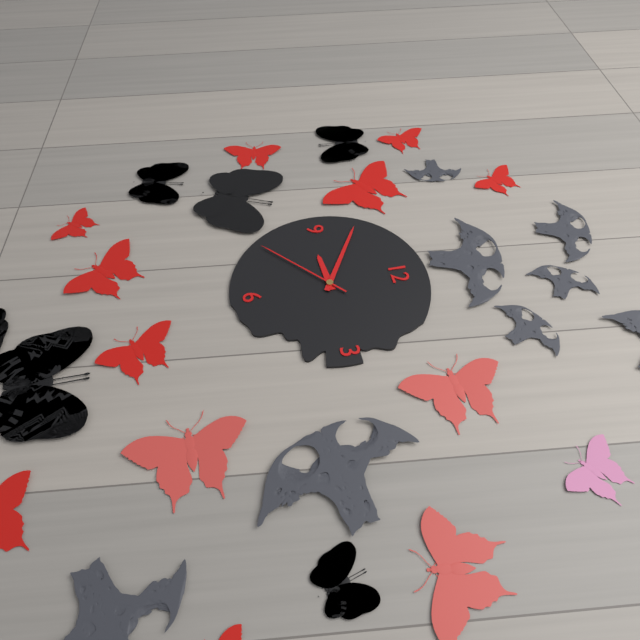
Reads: 8,50,38
